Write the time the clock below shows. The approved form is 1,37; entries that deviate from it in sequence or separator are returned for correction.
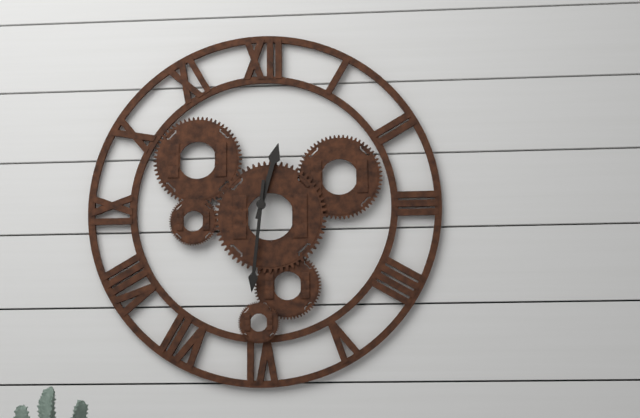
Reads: 12,31
